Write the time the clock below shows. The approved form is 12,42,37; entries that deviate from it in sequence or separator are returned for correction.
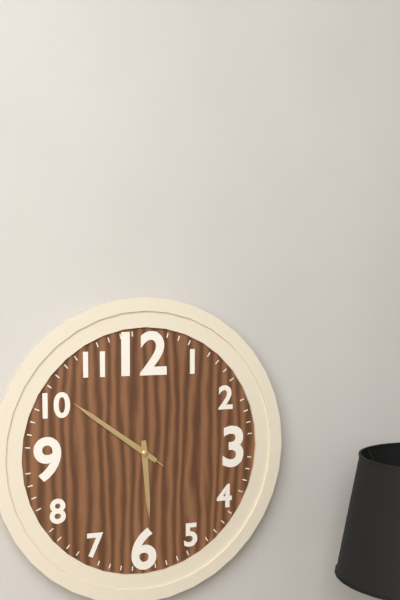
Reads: 5,51,51
